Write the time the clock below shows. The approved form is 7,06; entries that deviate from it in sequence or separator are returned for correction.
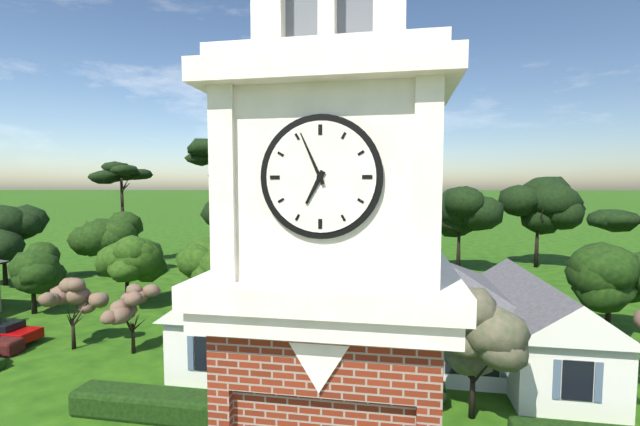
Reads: 6,56
